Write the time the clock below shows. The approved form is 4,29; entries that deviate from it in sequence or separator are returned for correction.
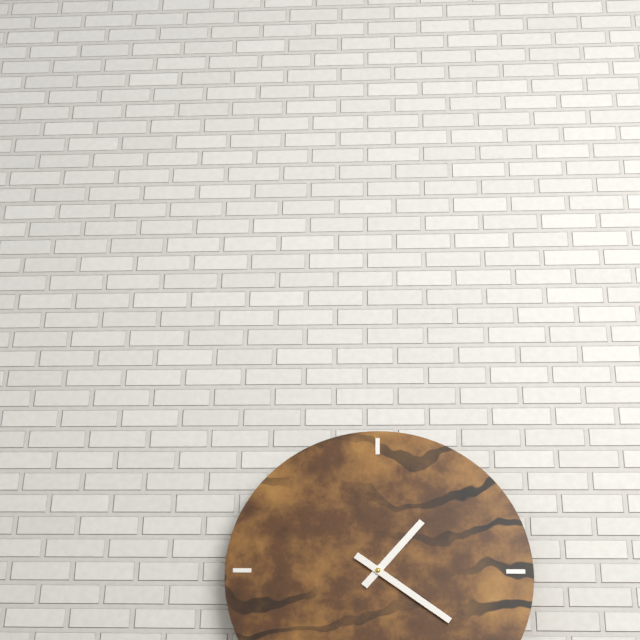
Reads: 1,21
